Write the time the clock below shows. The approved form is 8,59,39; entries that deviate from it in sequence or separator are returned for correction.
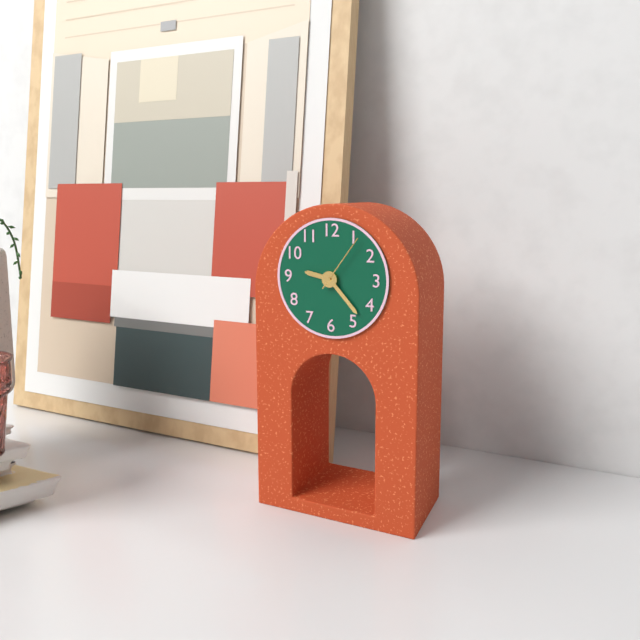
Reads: 9,23,06
